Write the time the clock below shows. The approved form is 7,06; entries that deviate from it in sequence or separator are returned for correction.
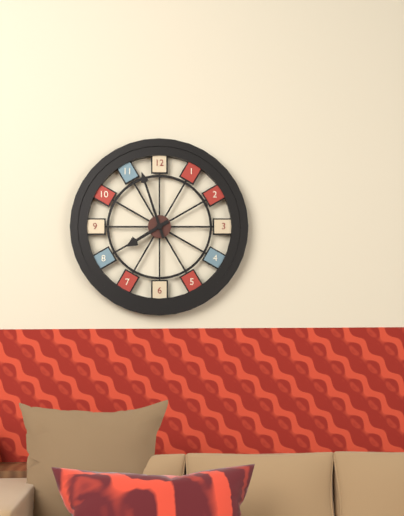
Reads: 7,57
